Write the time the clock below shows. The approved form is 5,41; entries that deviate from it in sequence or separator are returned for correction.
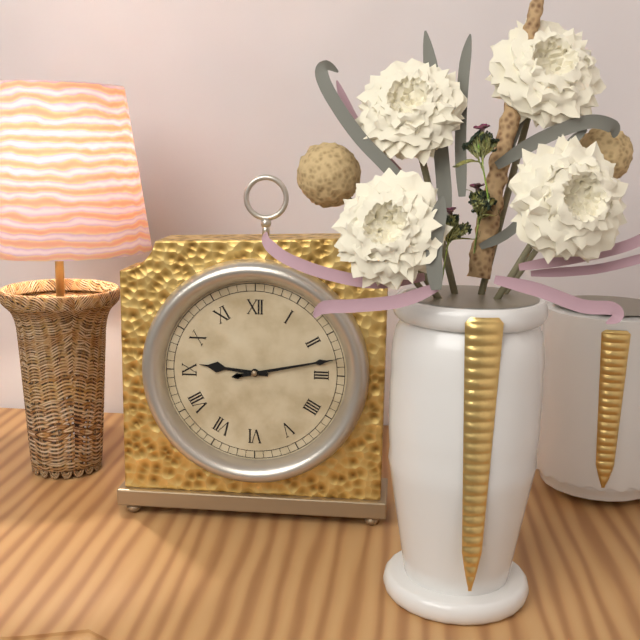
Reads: 9,13
